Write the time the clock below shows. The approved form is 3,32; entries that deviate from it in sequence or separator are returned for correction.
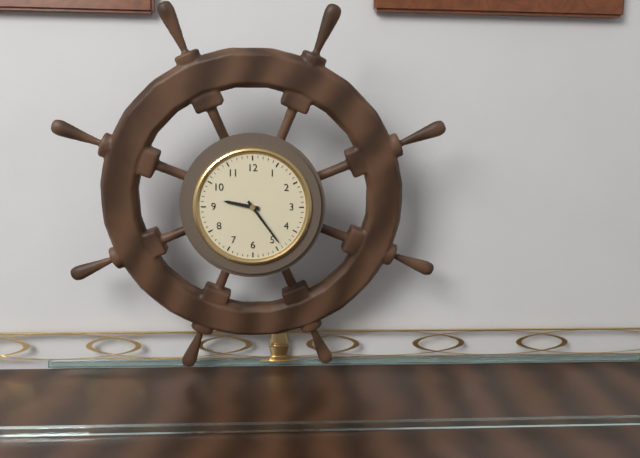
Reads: 9,24
